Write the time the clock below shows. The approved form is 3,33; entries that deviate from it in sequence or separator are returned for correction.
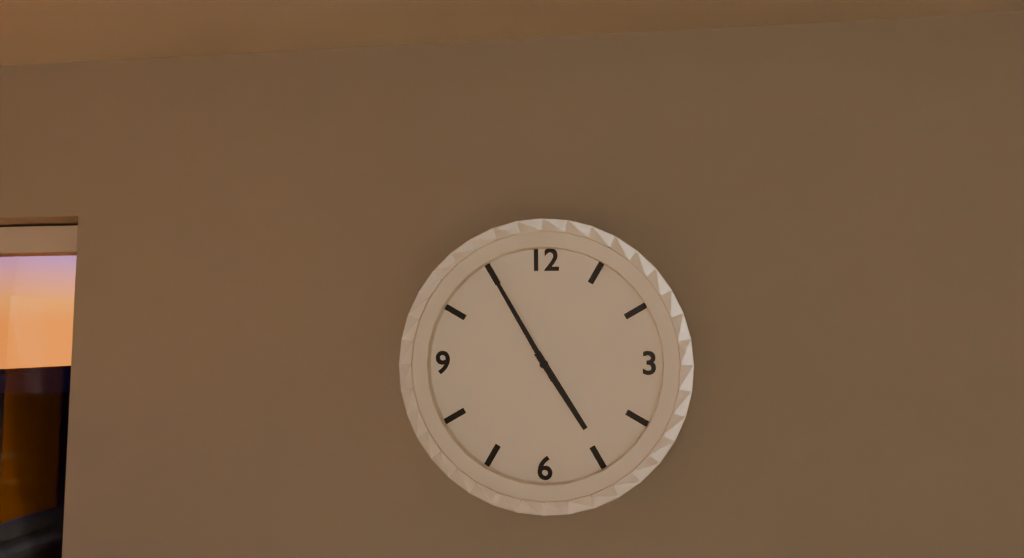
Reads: 4,55
